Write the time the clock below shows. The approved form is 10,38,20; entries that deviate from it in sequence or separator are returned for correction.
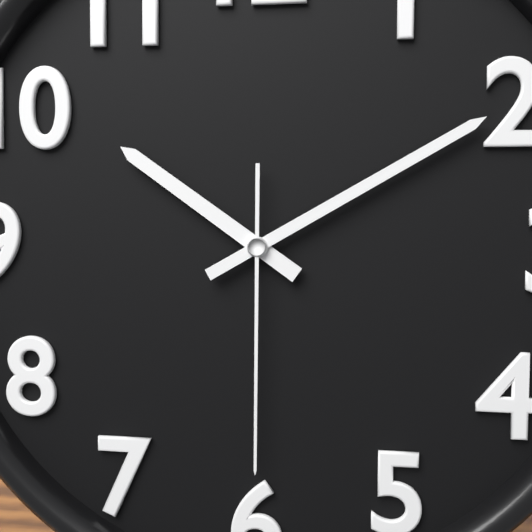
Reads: 10,10,30
